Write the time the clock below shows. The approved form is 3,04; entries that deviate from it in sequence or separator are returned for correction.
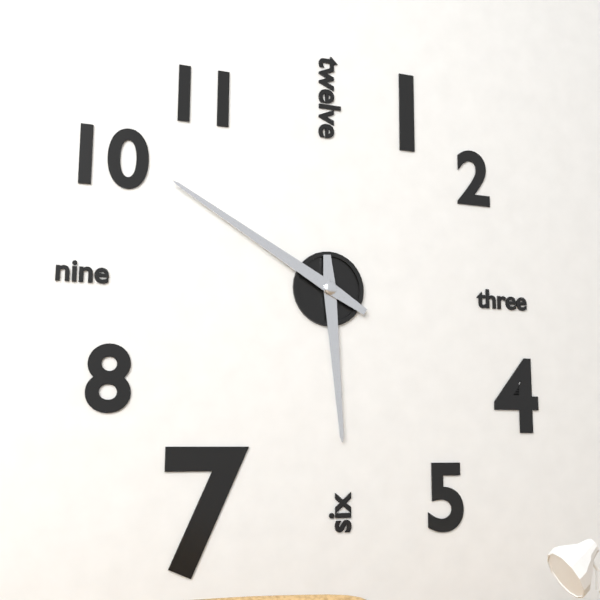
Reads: 5,50
